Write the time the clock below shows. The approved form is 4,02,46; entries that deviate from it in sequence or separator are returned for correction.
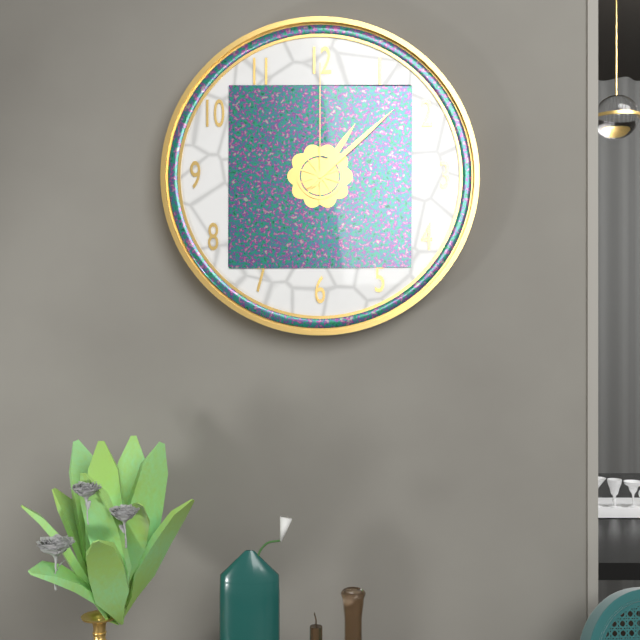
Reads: 1,08,00
